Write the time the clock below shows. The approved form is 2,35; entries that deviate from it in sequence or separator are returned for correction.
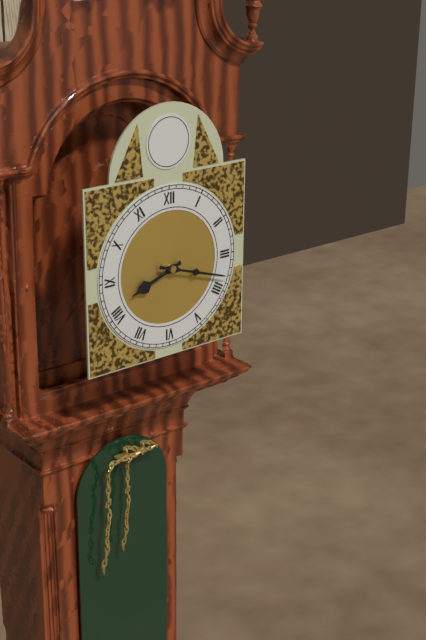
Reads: 8,18
